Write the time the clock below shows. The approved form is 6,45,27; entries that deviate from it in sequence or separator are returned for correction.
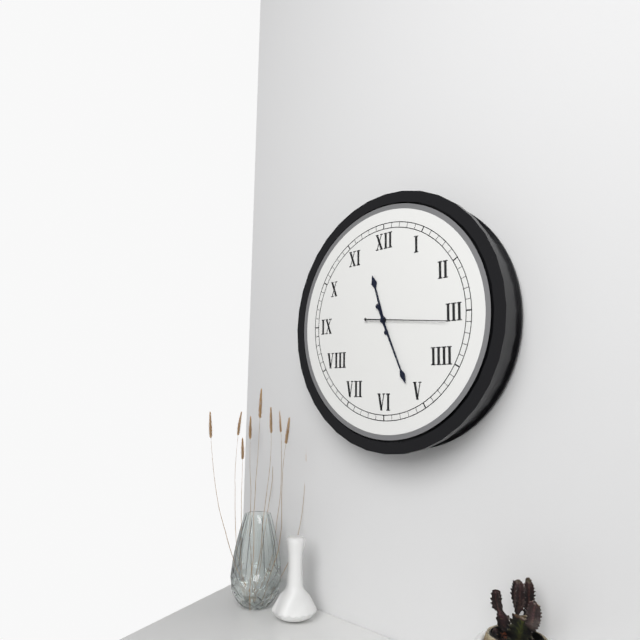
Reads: 11,26,16
